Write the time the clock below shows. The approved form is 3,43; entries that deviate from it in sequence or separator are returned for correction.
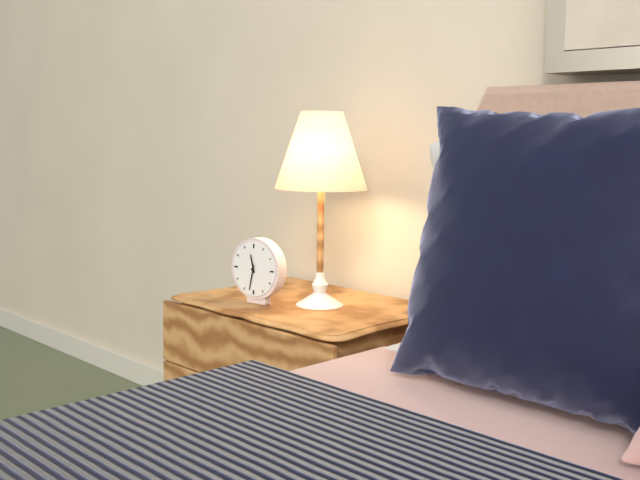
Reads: 11,32
